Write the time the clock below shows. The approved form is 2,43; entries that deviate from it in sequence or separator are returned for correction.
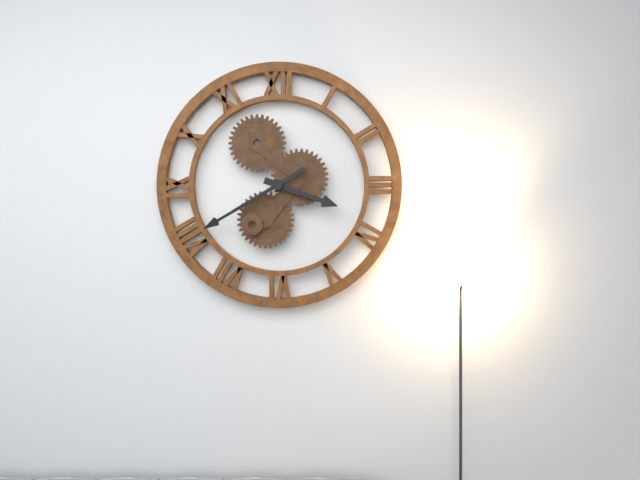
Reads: 3,40
